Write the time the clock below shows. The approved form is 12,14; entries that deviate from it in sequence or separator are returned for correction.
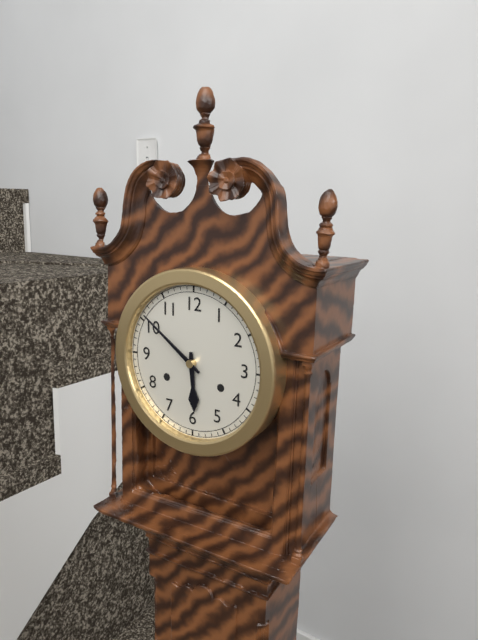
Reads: 5,51
